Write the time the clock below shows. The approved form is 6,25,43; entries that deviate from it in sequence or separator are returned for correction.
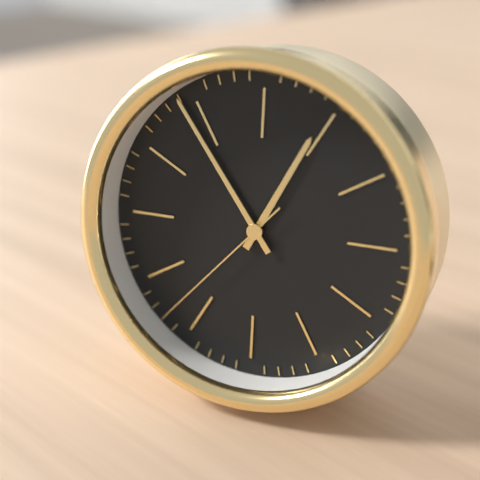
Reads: 12,54,37
